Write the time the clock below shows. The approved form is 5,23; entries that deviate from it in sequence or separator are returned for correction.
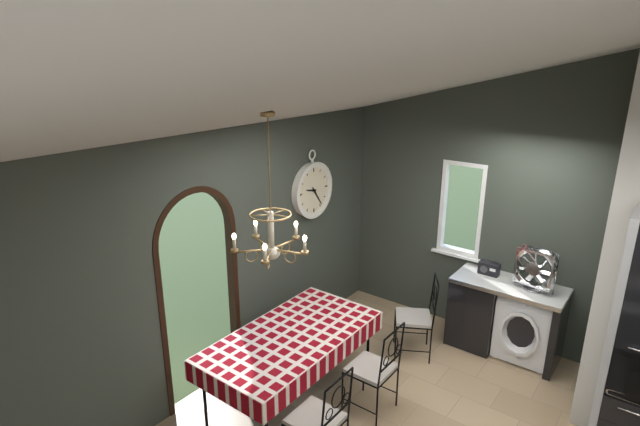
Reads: 9,24
